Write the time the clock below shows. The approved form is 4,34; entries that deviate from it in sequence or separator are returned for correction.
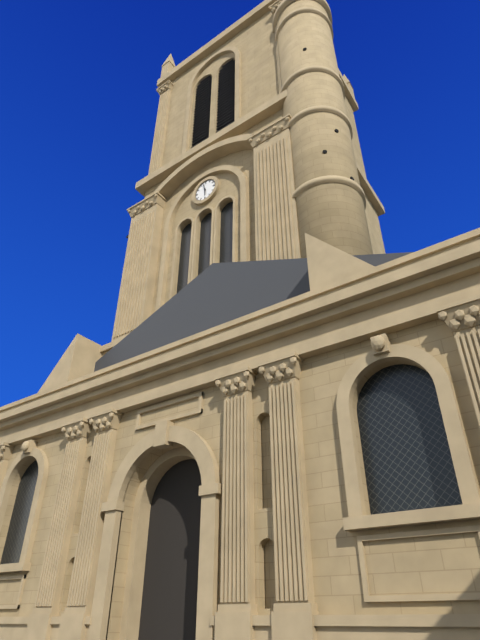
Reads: 5,58
